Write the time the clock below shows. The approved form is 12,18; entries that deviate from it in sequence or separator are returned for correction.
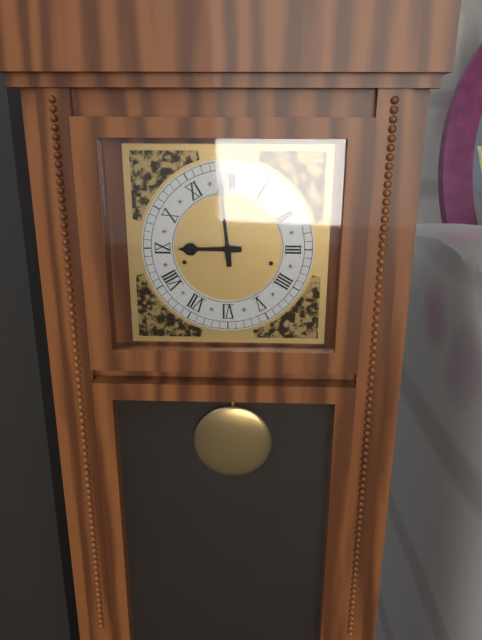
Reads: 8,59
